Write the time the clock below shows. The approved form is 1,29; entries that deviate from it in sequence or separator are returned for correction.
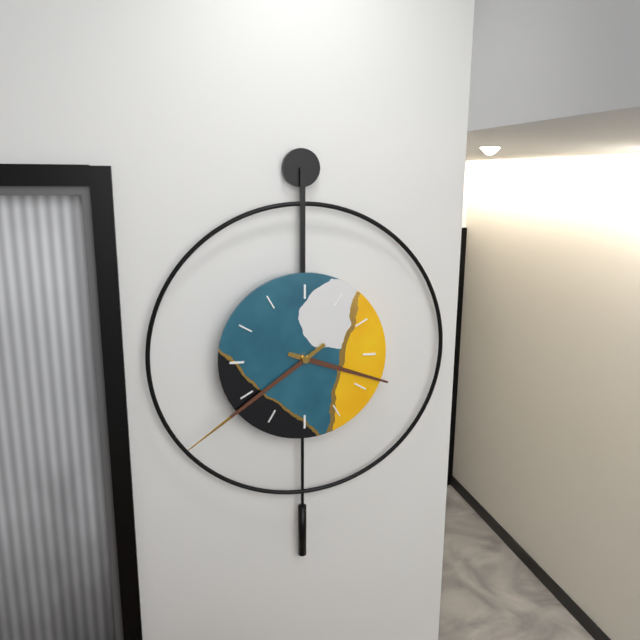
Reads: 3,39
